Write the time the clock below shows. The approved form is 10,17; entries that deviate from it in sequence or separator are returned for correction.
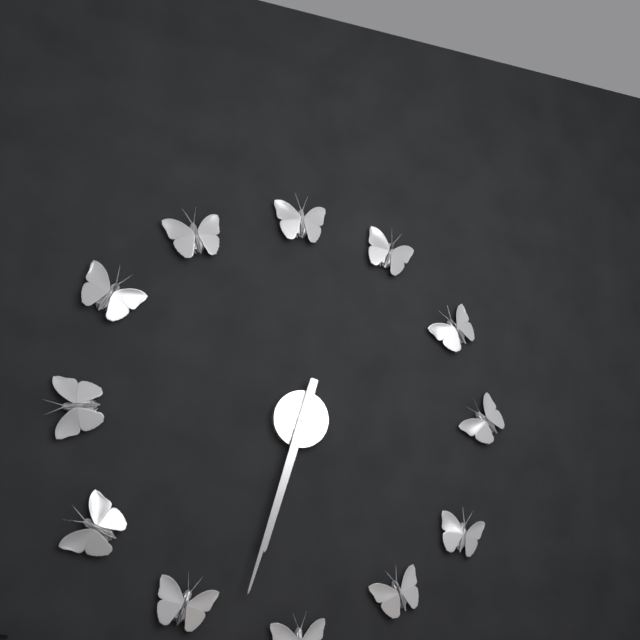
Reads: 6,33
